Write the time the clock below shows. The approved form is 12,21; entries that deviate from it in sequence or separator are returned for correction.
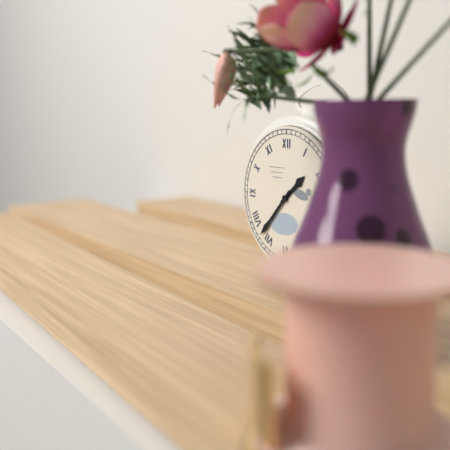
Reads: 1,37
